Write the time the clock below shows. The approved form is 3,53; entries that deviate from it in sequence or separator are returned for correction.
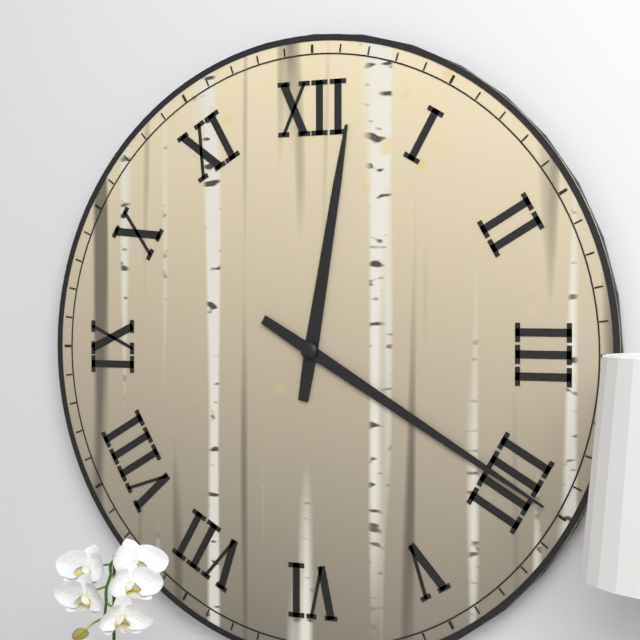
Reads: 12,20
